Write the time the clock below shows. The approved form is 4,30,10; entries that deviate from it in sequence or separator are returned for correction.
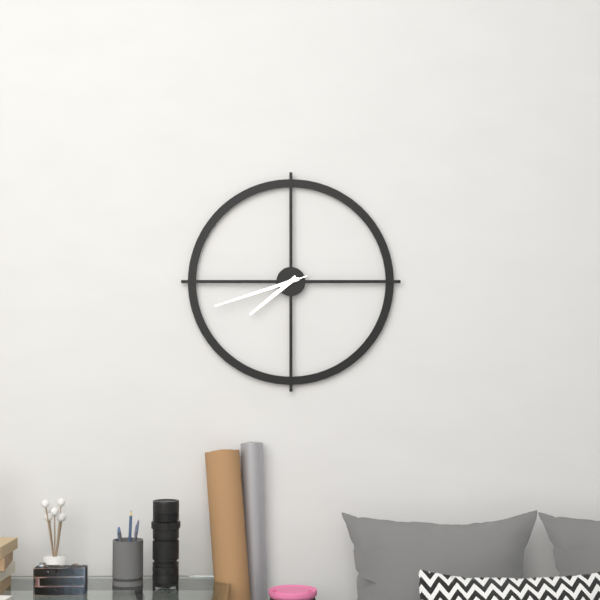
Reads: 7,42,42
